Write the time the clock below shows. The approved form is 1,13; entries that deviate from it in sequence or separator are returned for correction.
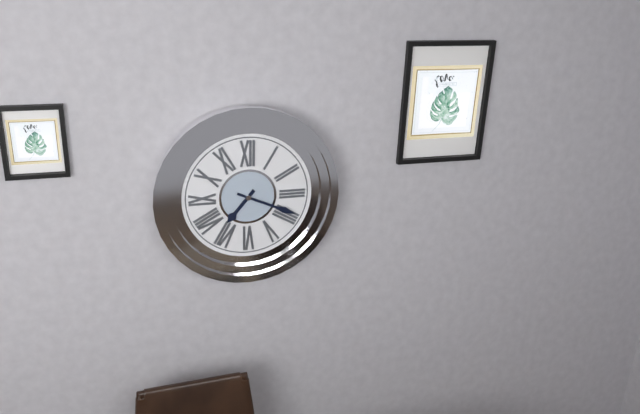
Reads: 7,19
